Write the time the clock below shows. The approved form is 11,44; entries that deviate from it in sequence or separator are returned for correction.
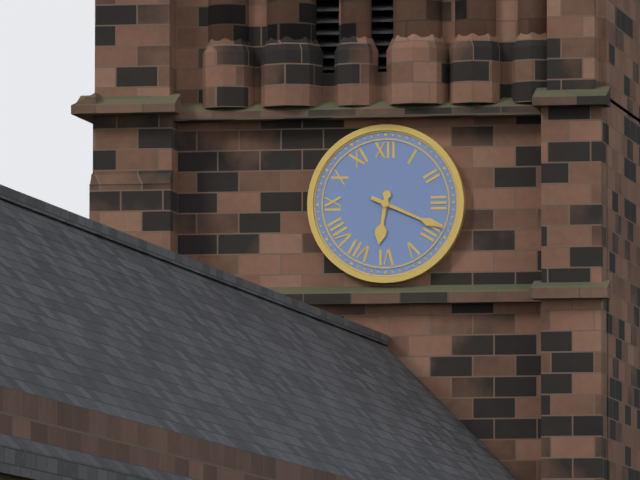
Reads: 6,19
